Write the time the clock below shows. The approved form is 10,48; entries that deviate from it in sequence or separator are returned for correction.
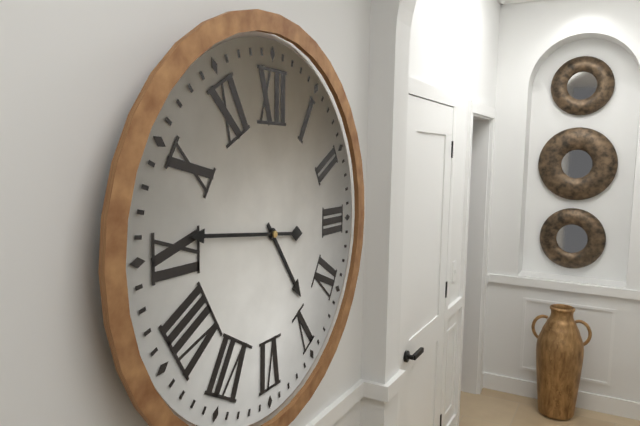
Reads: 4,46
